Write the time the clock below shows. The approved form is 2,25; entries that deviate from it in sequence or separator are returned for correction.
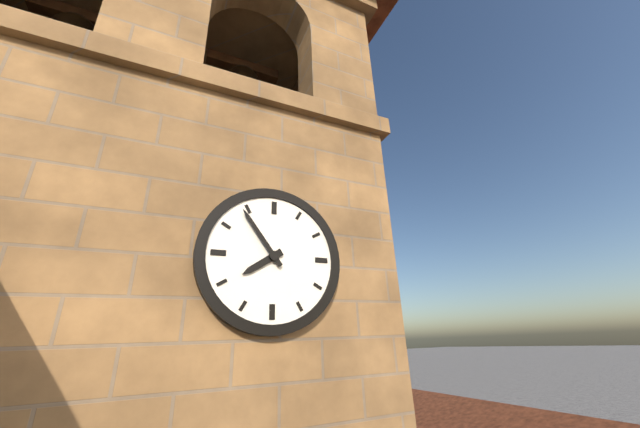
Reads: 7,54
